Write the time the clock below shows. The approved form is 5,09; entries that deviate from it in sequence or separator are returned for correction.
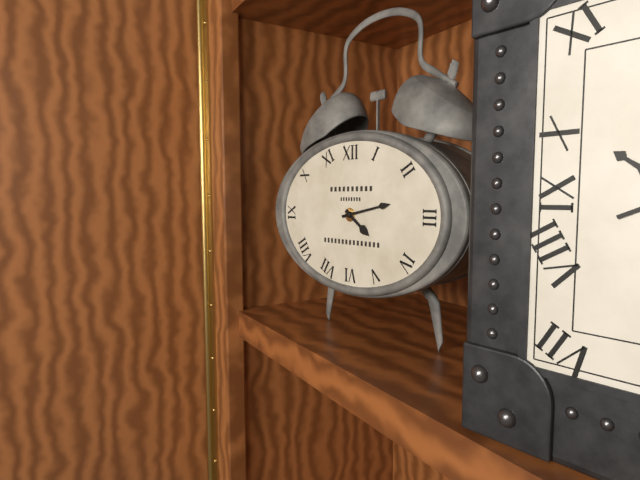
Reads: 4,13
